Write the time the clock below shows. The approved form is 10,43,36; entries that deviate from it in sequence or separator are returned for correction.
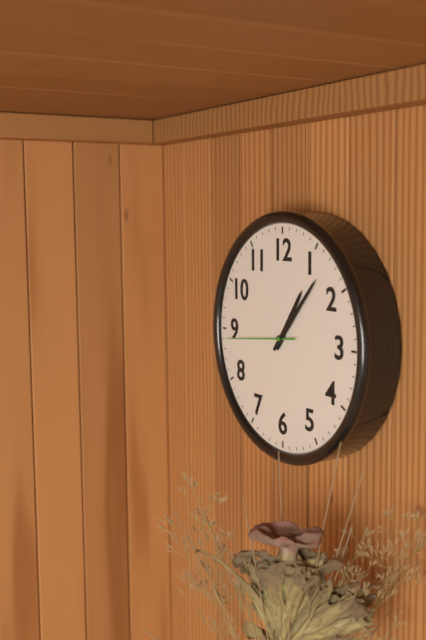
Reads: 1,07,44
